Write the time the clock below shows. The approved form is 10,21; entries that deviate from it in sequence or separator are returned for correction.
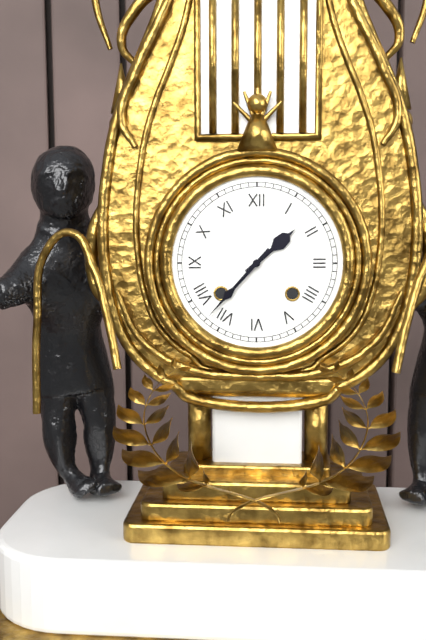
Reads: 1,37
